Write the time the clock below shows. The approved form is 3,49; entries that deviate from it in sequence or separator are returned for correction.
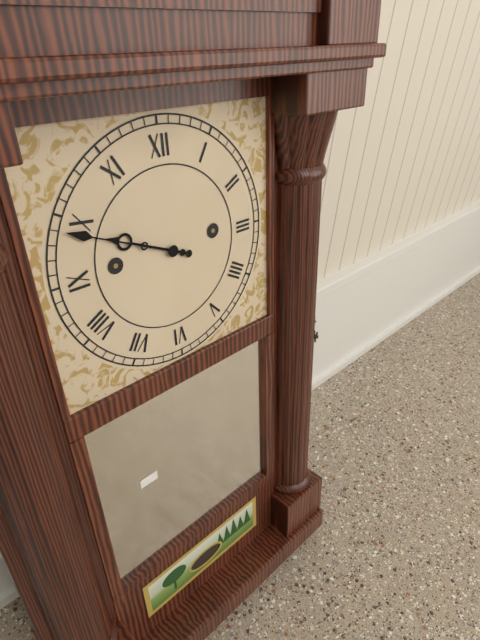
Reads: 9,49
